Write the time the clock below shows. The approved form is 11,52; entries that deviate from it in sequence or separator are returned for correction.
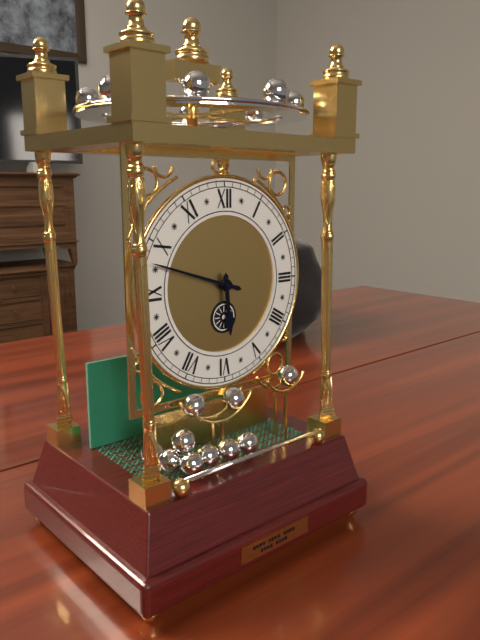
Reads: 5,48
